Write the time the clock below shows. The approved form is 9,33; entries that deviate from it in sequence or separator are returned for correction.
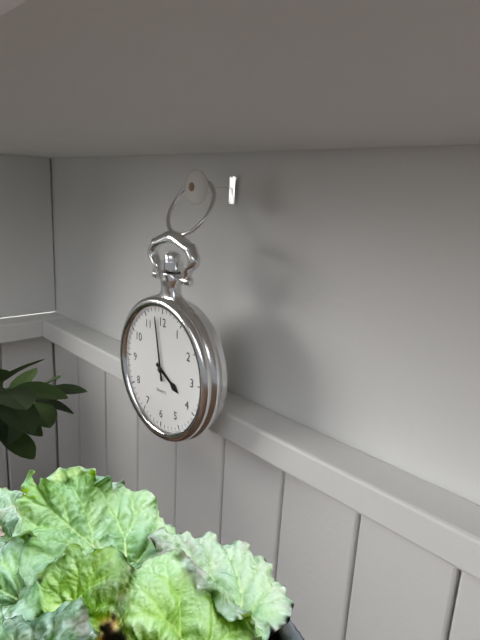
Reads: 3,58
